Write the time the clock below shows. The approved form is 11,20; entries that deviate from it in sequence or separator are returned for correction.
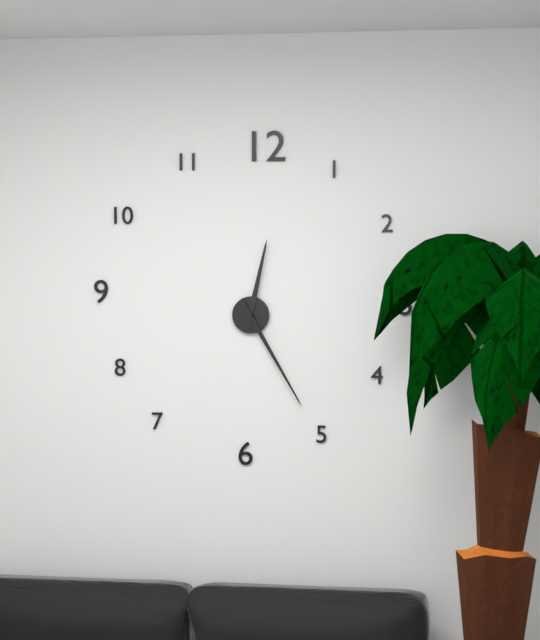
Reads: 12,25
